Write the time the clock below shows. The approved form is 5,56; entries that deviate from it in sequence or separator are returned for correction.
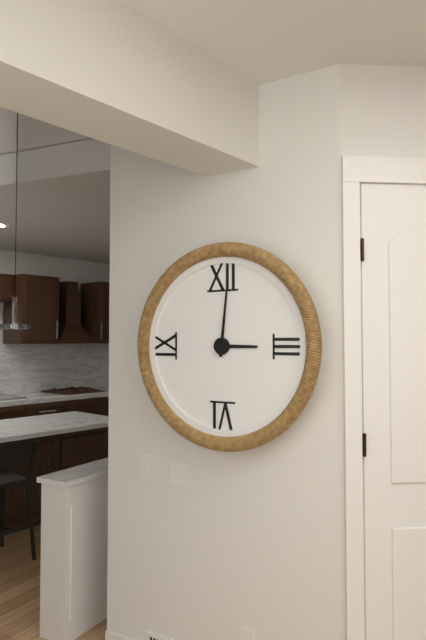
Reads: 3,01
